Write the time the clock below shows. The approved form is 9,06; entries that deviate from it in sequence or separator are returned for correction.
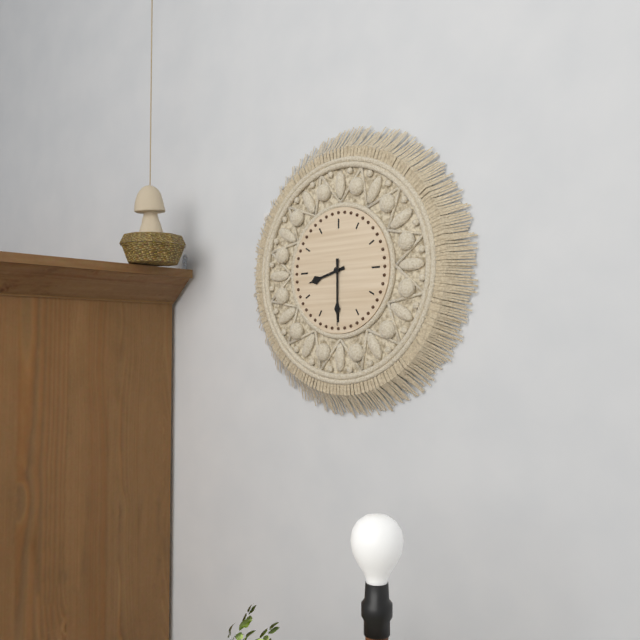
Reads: 8,30
